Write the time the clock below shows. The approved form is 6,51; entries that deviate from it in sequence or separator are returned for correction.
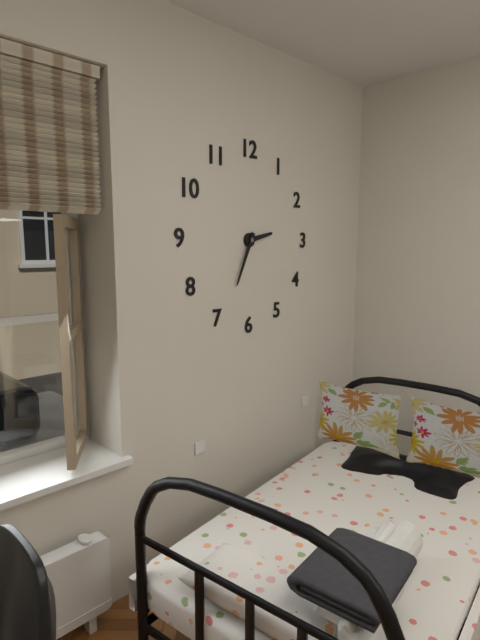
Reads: 2,34
